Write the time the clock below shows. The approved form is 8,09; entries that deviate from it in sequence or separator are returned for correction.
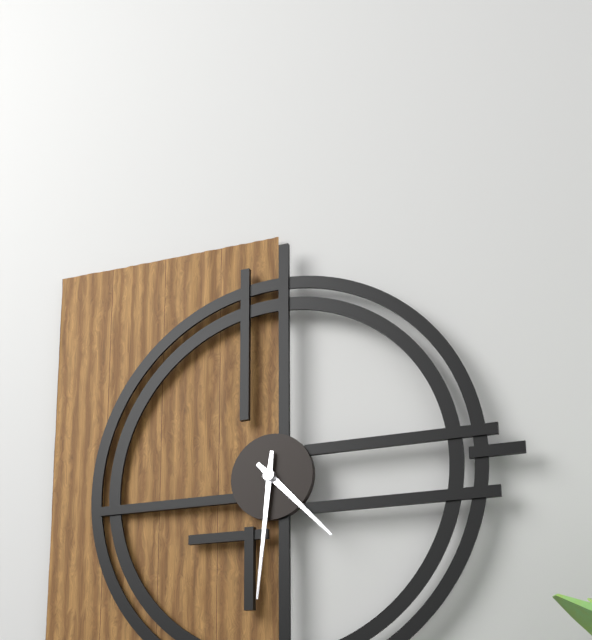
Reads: 4,31
